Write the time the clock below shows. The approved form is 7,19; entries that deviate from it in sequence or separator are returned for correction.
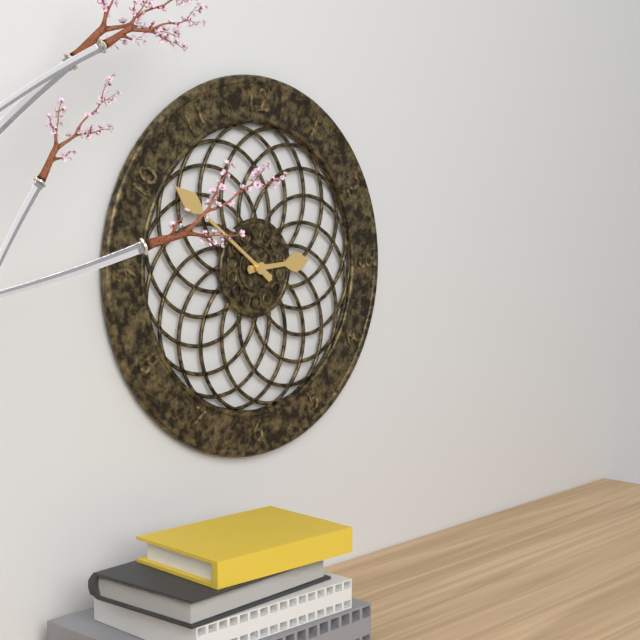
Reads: 2,51
